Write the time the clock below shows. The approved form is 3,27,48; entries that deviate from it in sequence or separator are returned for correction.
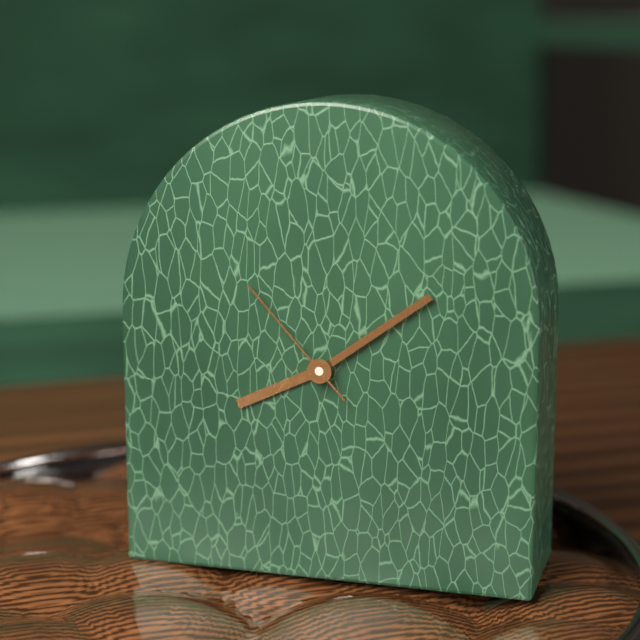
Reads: 8,09,53
